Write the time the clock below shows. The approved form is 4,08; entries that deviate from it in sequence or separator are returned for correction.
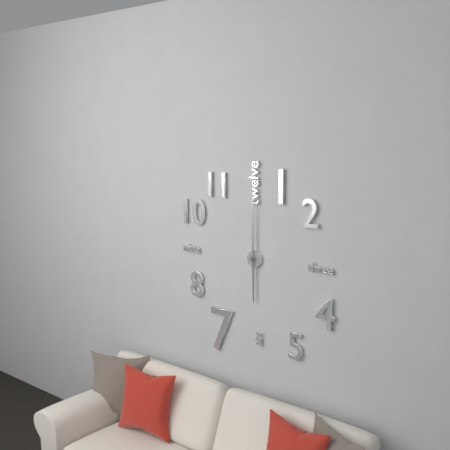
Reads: 6,00
